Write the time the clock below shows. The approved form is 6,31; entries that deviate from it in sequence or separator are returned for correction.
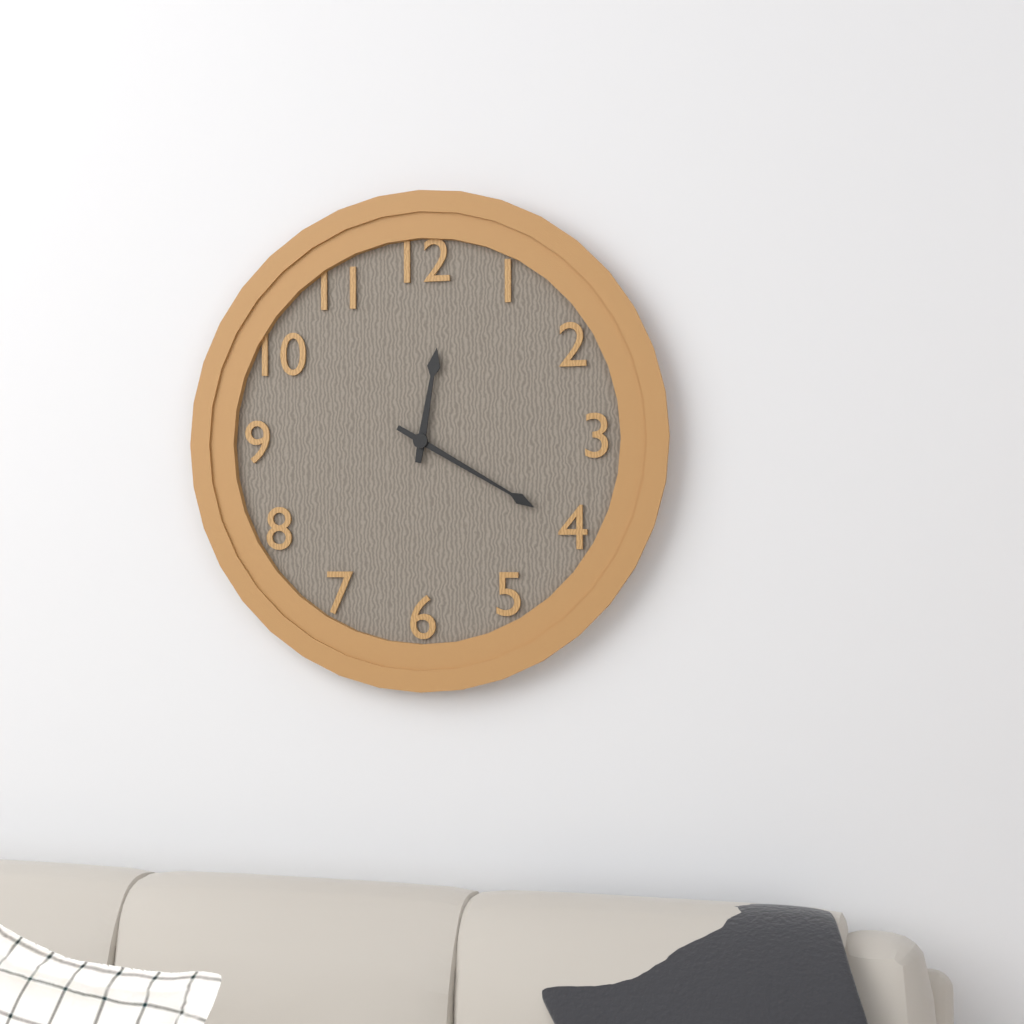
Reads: 12,20
